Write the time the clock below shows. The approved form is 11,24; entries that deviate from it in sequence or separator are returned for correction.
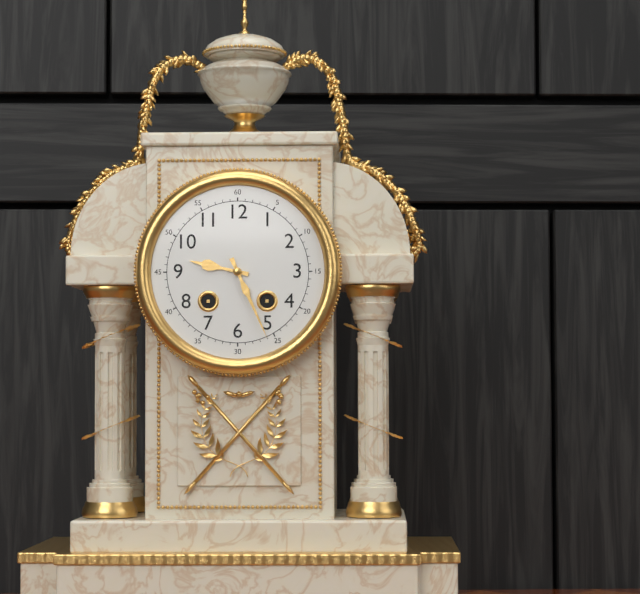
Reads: 9,26
